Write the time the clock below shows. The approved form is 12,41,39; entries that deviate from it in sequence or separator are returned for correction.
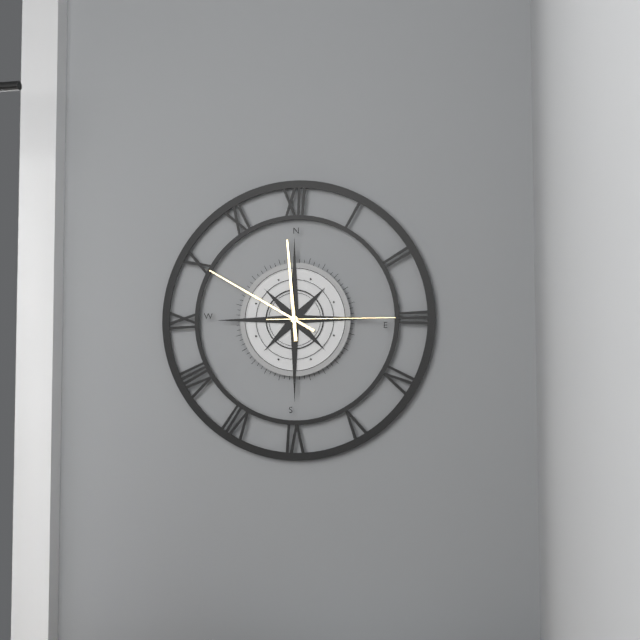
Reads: 11,50,15
